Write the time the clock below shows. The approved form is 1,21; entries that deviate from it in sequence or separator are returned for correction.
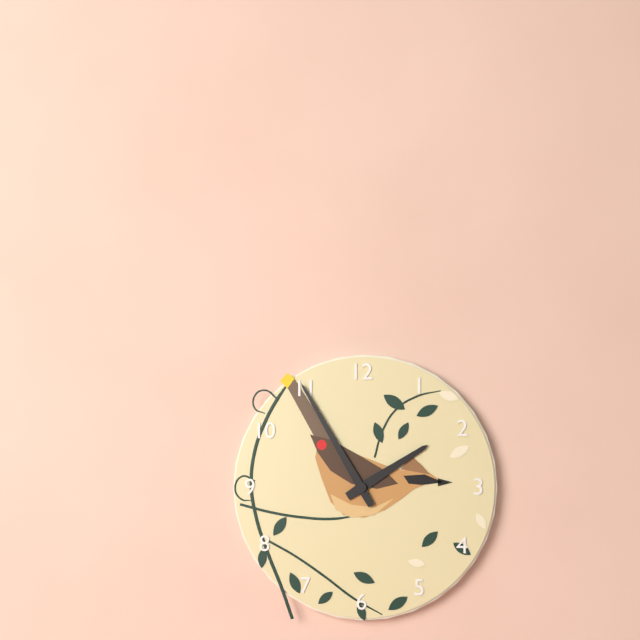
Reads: 1,55
